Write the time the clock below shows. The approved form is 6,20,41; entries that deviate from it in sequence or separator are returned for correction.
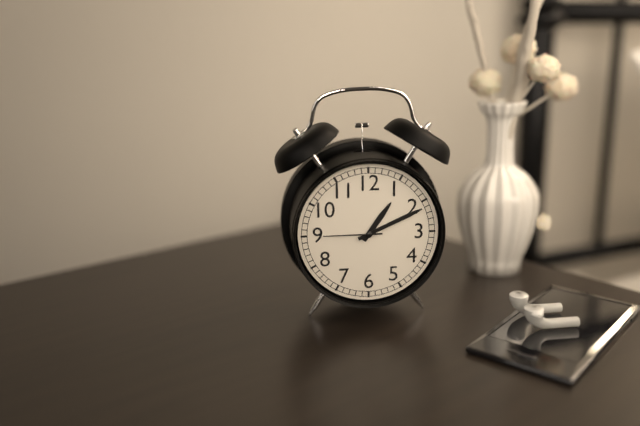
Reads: 1,11,45
